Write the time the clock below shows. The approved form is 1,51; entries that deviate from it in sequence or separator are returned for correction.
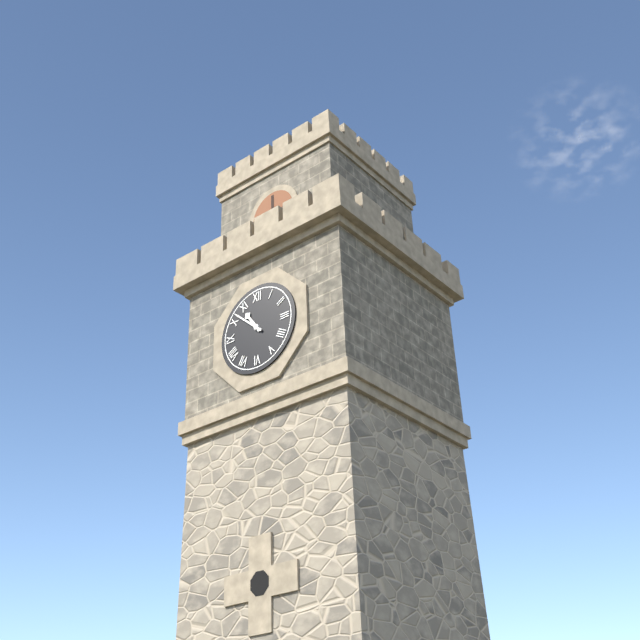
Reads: 10,52
